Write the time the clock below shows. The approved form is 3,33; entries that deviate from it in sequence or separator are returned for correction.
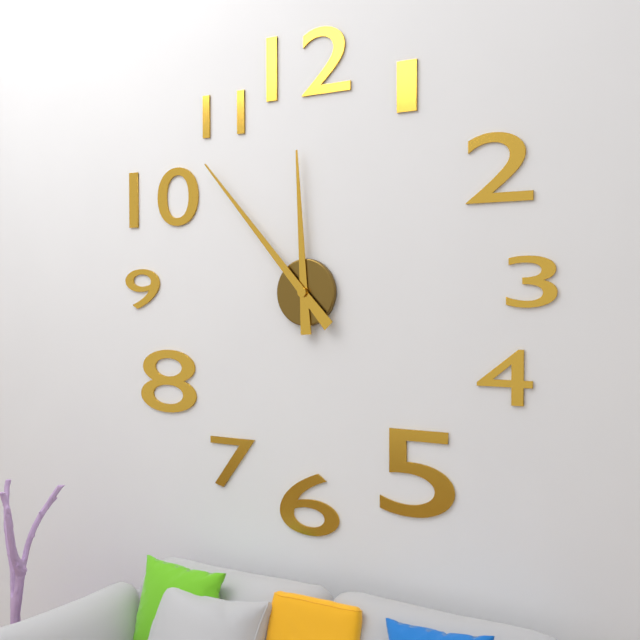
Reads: 11,53
